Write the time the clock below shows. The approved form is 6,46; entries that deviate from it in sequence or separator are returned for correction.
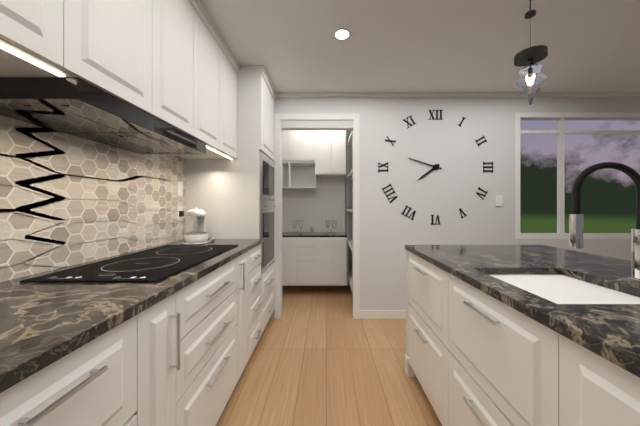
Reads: 7,48
